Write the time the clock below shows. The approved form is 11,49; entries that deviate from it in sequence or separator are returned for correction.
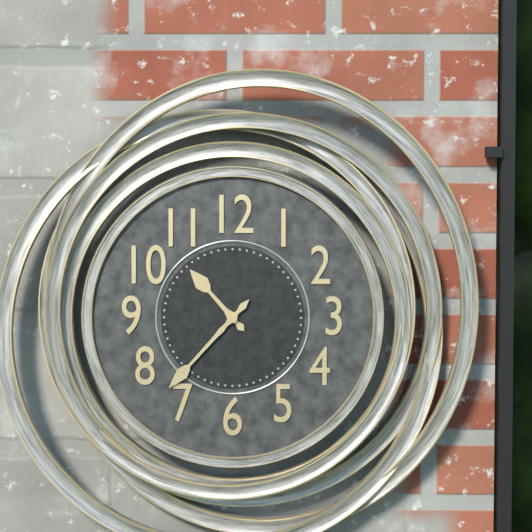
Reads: 10,37
